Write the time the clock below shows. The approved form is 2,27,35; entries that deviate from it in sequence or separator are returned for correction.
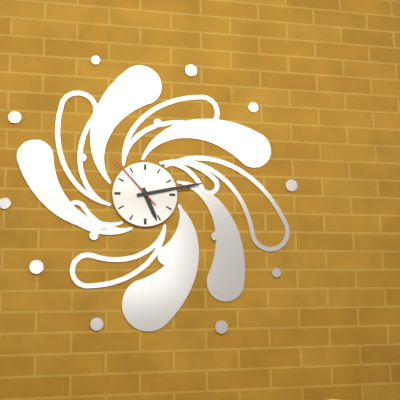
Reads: 5,13,53
